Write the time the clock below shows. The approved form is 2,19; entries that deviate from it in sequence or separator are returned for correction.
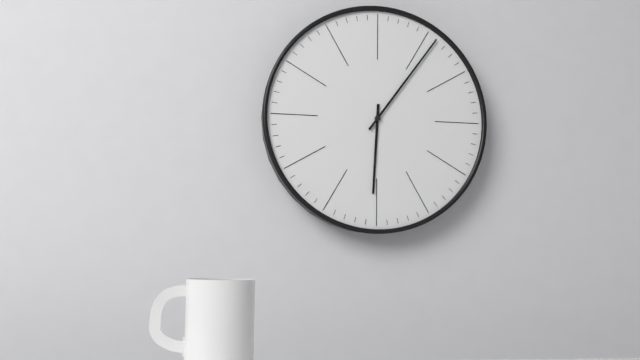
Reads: 6,06
